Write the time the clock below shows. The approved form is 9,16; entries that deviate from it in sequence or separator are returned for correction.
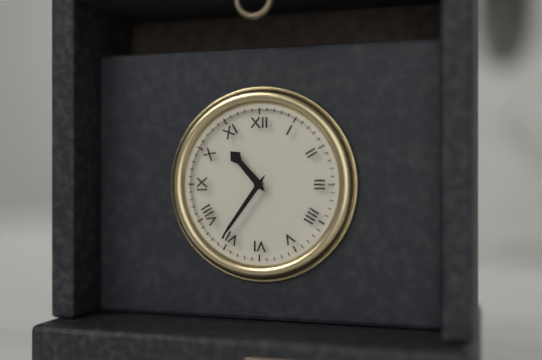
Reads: 10,36
